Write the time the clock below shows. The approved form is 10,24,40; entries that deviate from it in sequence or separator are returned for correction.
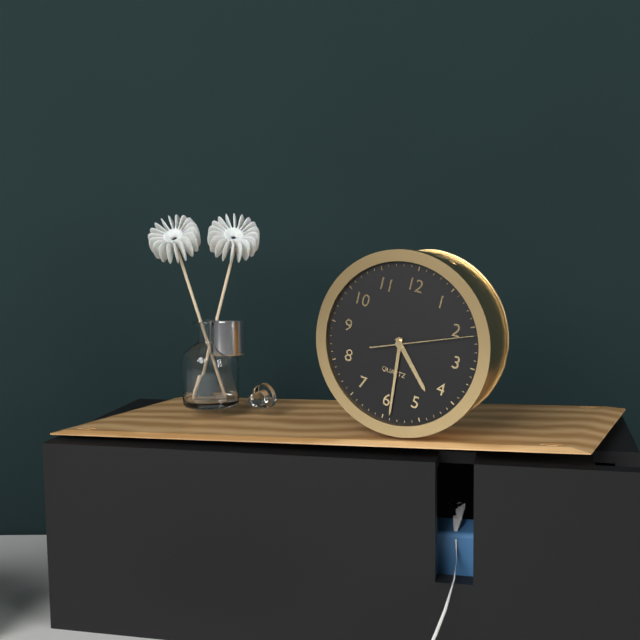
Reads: 4,29,11
